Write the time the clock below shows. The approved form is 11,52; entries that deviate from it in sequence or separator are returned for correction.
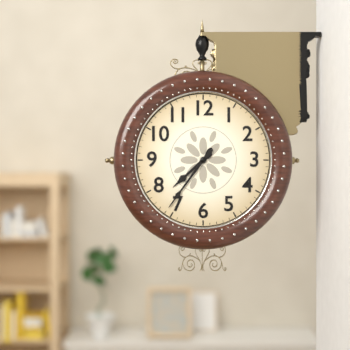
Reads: 7,36
